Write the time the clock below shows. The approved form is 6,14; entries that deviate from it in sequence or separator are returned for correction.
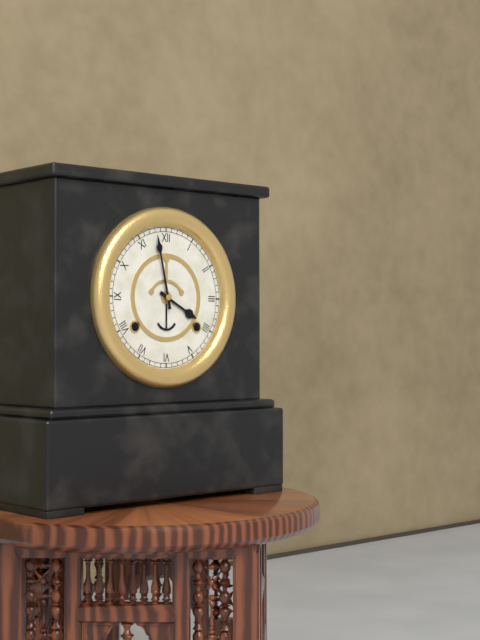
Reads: 3,58
